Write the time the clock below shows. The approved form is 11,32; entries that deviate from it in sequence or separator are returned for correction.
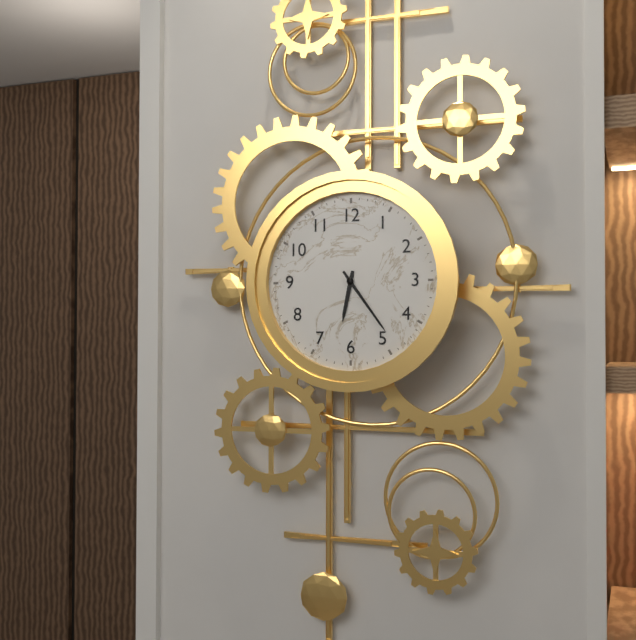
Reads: 6,24
